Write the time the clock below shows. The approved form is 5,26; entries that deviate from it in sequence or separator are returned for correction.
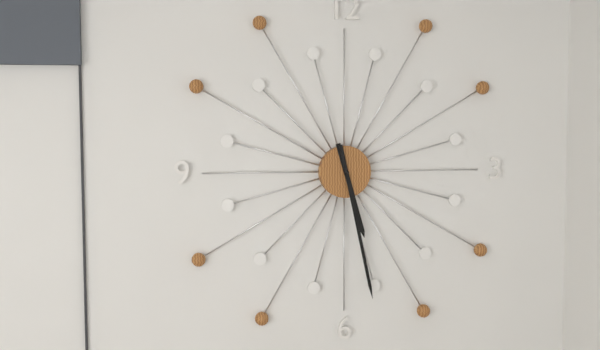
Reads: 5,28
